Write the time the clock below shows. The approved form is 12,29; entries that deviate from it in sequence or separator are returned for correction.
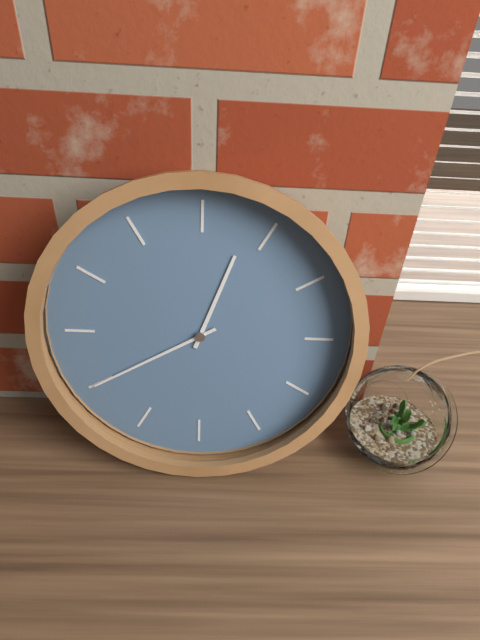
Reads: 12,40
